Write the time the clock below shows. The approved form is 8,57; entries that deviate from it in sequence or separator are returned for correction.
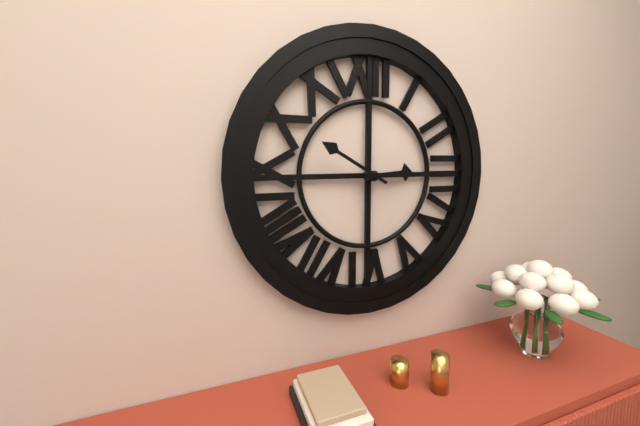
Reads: 2,50
